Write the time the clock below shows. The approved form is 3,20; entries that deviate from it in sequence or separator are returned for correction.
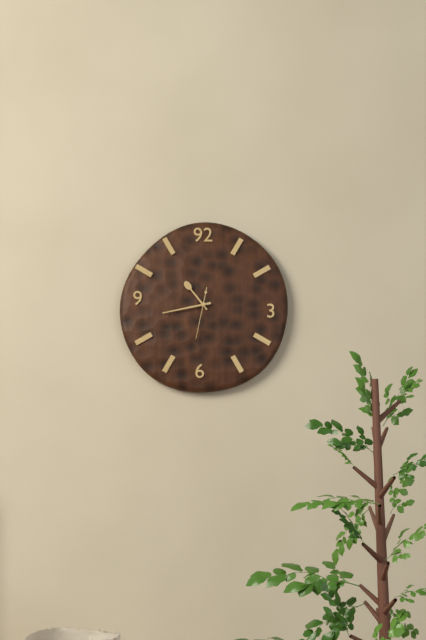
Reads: 10,43
